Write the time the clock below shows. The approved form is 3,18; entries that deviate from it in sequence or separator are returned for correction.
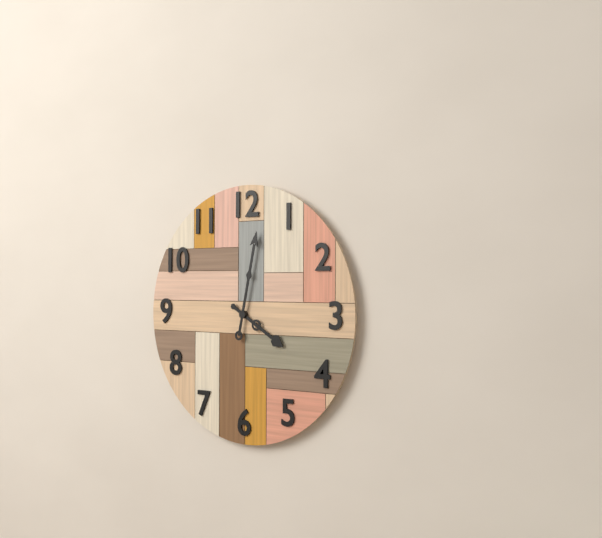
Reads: 4,02
